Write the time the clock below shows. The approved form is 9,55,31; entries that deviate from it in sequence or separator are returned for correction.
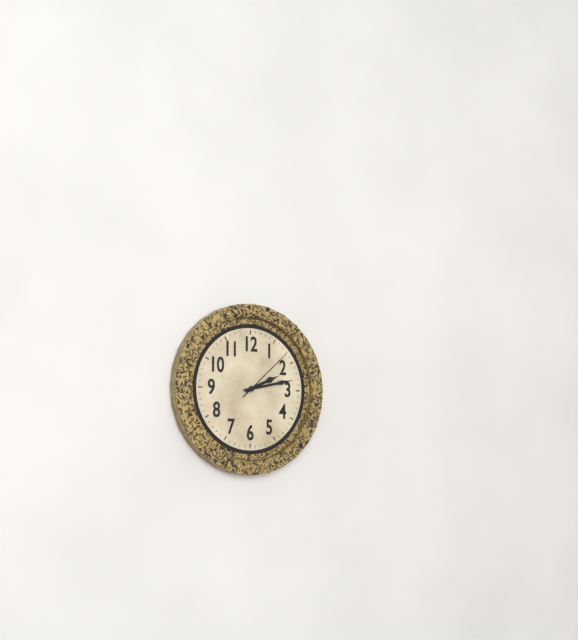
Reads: 2,13,08
